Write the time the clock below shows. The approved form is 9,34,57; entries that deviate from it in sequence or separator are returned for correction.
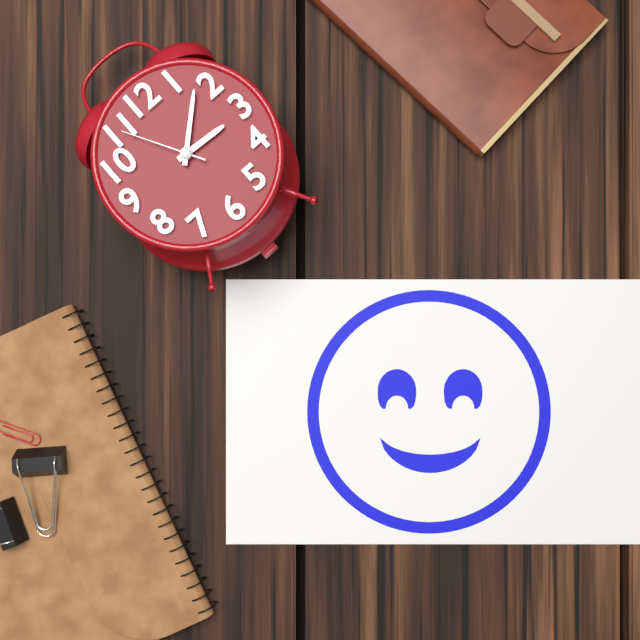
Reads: 3,08,55
